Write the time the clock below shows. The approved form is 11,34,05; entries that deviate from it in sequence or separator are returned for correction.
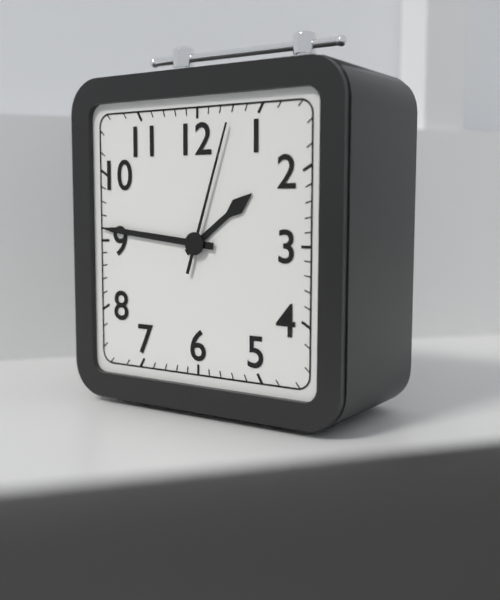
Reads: 1,46,03
